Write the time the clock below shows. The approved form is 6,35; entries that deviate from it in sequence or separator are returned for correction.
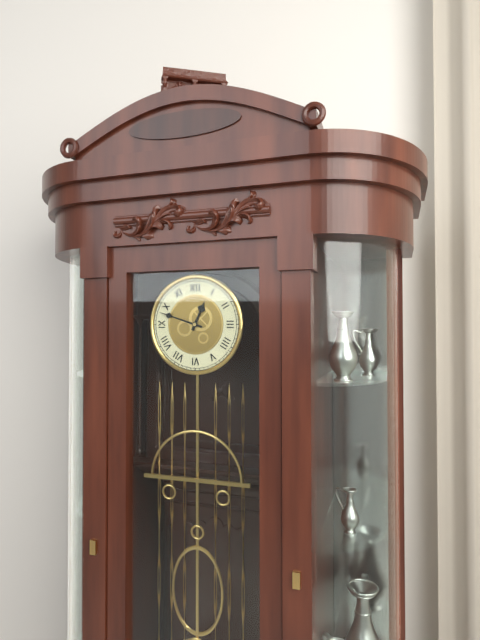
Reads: 12,48
